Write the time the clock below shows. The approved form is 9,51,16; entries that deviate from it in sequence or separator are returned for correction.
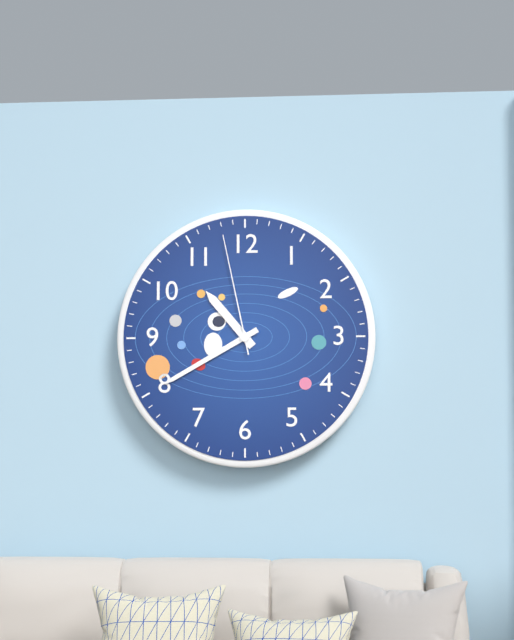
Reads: 10,40,58
